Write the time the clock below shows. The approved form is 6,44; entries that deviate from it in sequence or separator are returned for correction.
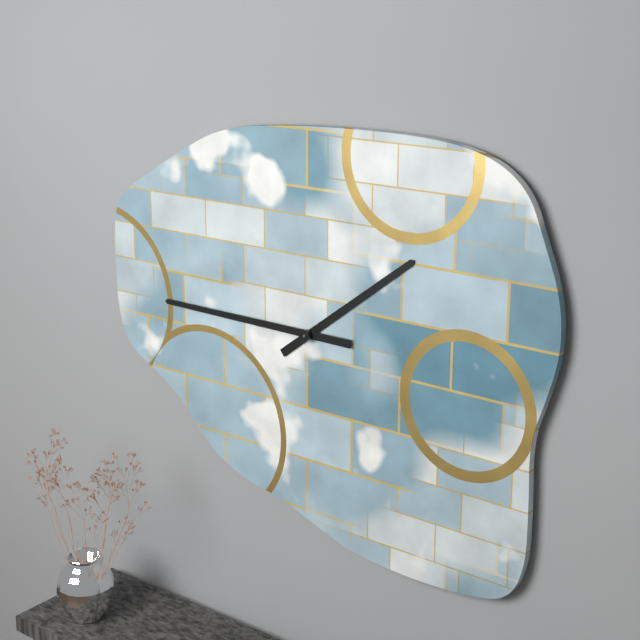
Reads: 1,45
